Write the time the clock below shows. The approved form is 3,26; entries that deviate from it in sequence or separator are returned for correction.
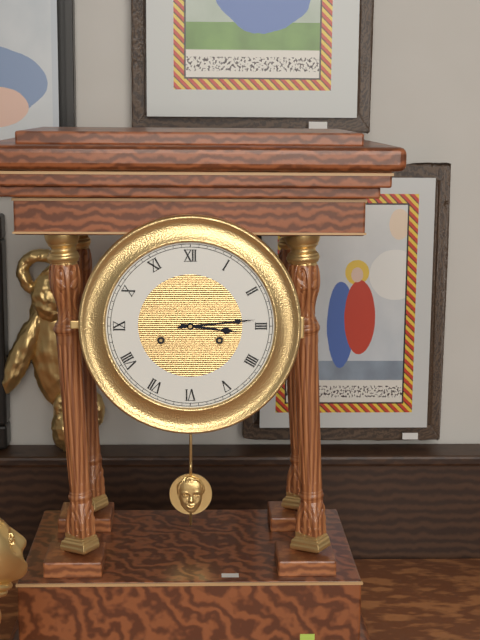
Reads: 3,14
